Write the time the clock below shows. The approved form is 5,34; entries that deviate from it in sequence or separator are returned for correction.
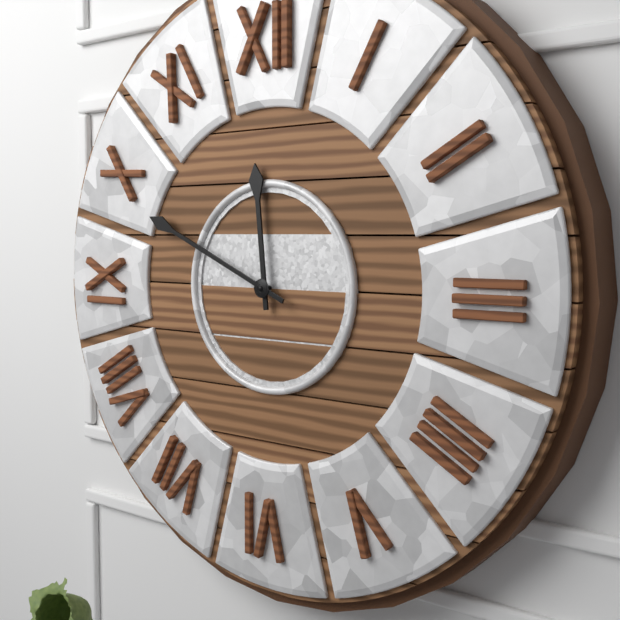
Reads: 11,49
